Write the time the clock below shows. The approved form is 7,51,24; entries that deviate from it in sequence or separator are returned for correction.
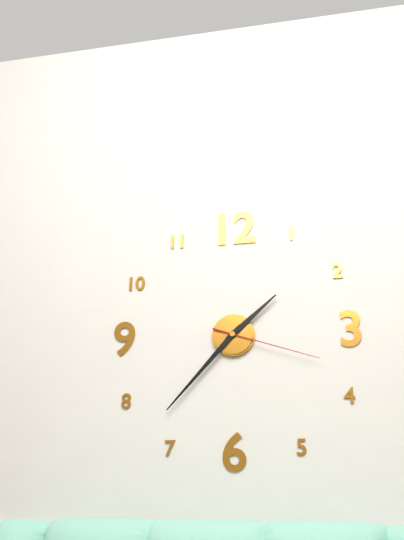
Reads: 1,37,18
